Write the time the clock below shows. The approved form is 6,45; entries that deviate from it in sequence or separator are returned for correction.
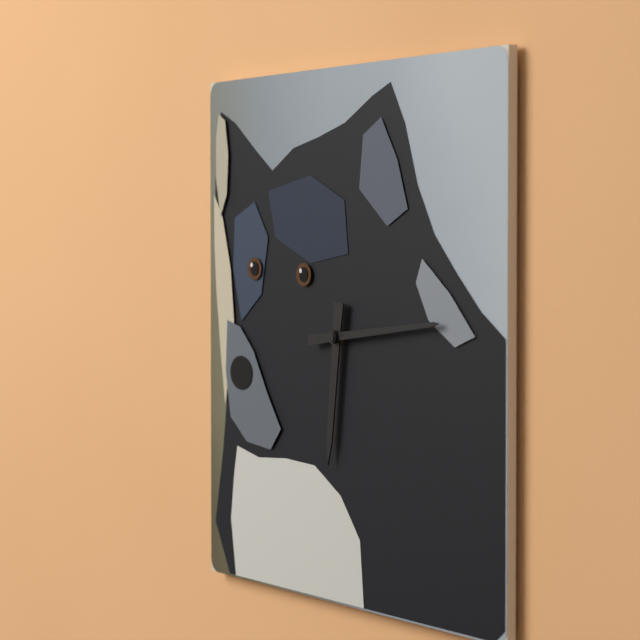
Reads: 6,14
